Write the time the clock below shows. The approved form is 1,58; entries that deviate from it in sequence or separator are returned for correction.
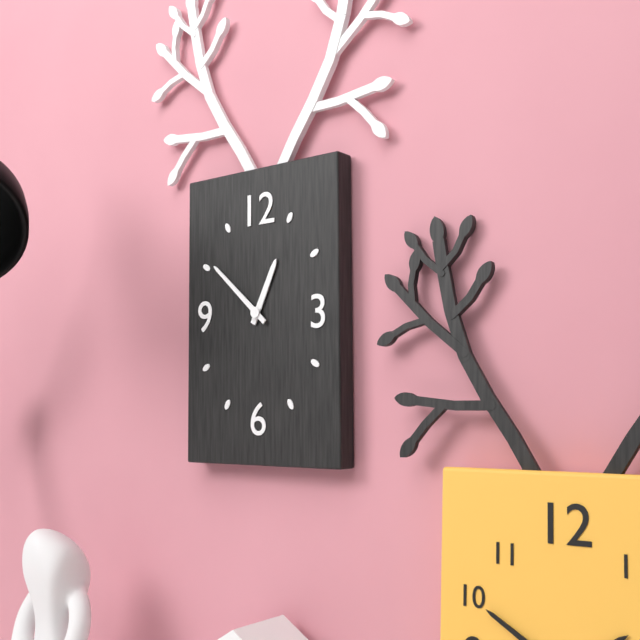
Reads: 12,52
